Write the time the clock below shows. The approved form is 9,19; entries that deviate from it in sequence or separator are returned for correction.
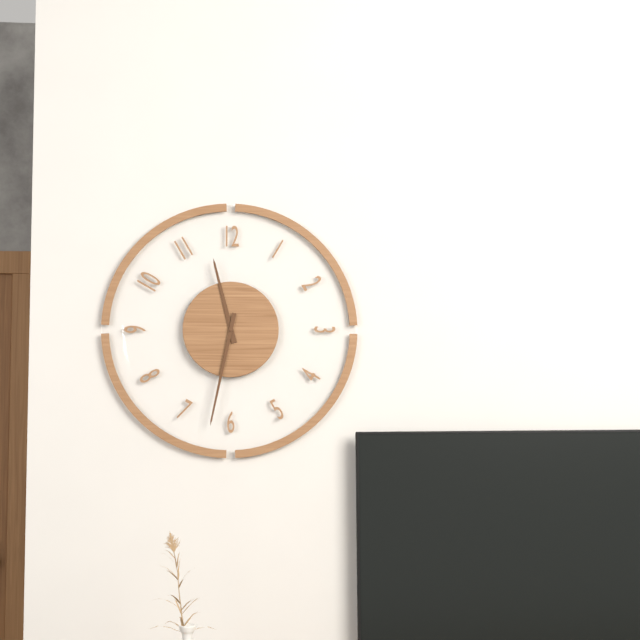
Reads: 11,32
